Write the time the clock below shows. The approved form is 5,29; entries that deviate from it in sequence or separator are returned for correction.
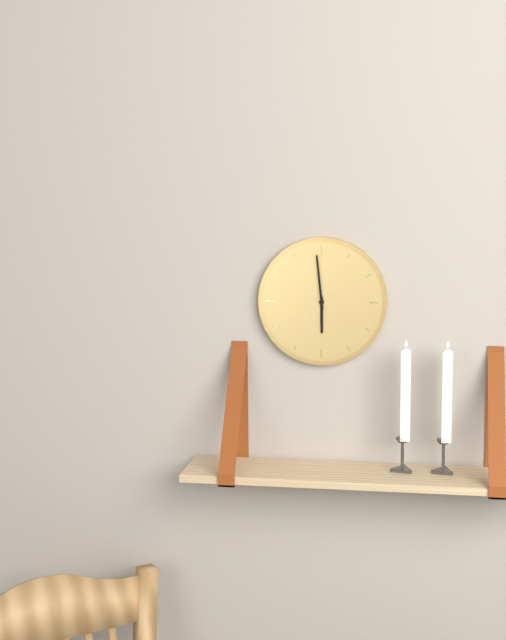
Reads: 5,59
